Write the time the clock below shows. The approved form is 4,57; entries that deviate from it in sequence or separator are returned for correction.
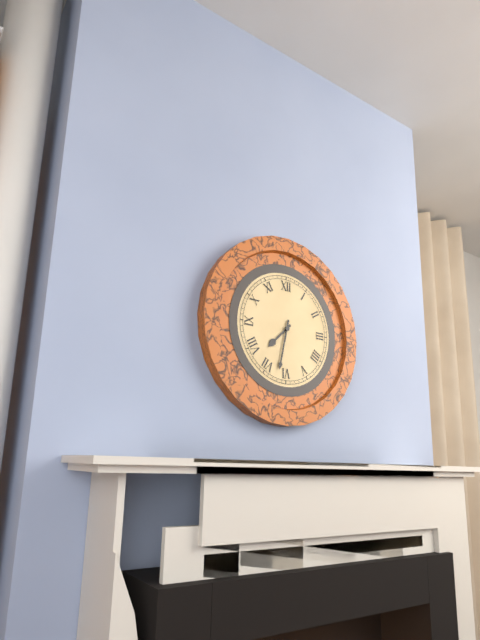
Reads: 7,32
